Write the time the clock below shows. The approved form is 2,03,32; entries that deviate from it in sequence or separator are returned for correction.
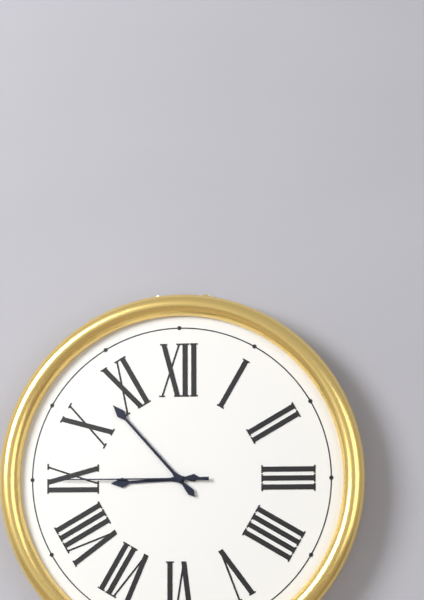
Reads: 8,53,45
